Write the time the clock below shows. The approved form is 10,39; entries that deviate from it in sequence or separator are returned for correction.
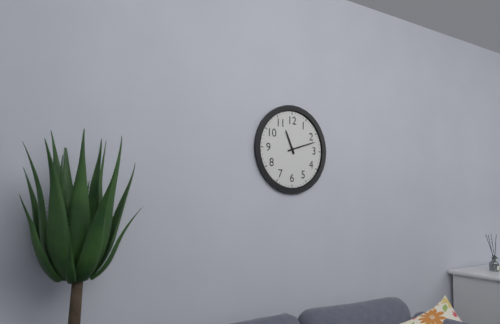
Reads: 11,12
